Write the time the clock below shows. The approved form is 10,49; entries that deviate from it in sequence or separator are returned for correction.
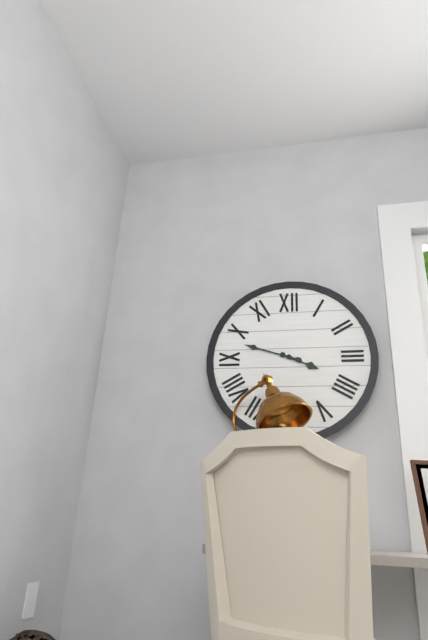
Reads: 3,48
